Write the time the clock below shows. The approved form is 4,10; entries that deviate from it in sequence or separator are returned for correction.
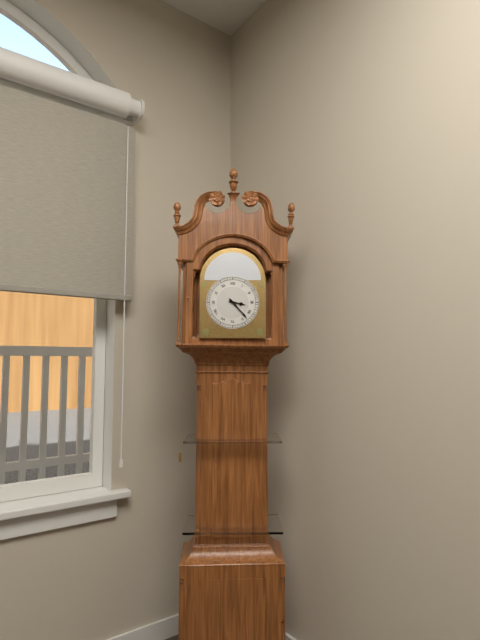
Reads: 3,23
